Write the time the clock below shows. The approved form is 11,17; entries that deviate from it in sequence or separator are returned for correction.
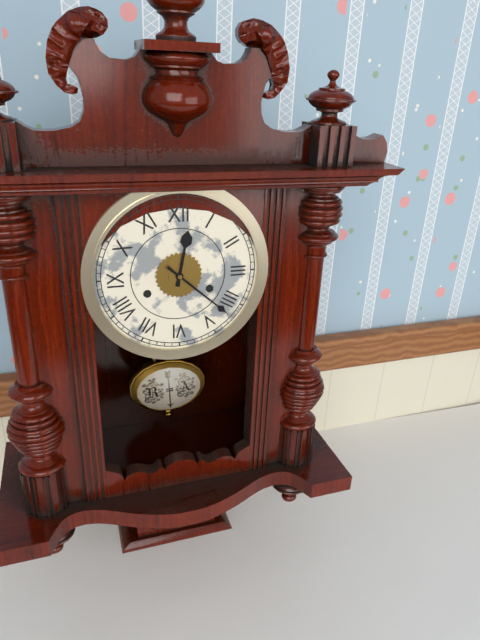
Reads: 12,22
